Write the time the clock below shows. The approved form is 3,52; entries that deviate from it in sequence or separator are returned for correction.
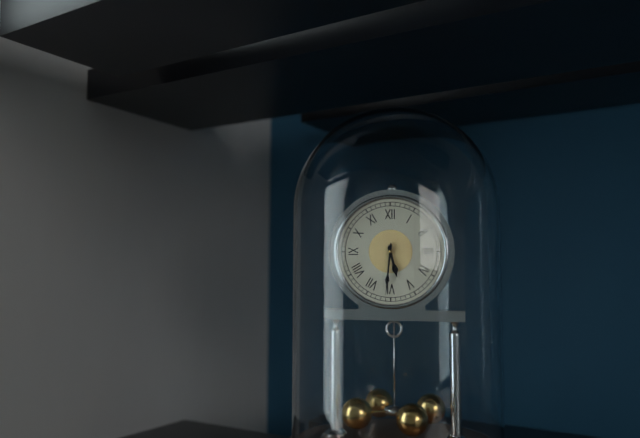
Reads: 5,31
